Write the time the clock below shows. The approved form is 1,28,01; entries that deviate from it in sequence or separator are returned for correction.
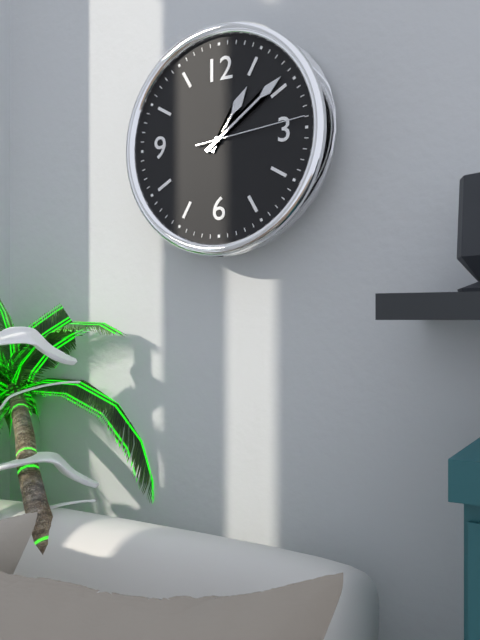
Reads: 1,09,14
